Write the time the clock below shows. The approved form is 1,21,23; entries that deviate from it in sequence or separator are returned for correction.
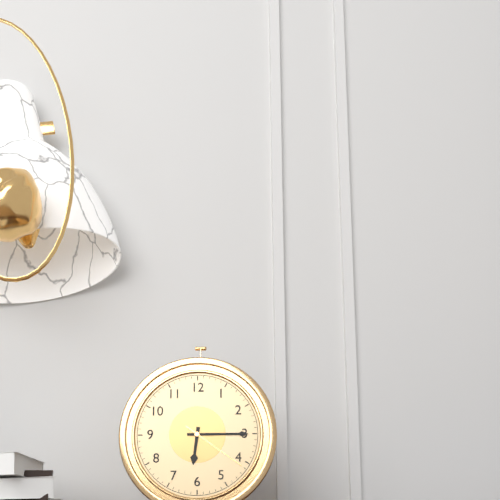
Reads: 6,15,21
